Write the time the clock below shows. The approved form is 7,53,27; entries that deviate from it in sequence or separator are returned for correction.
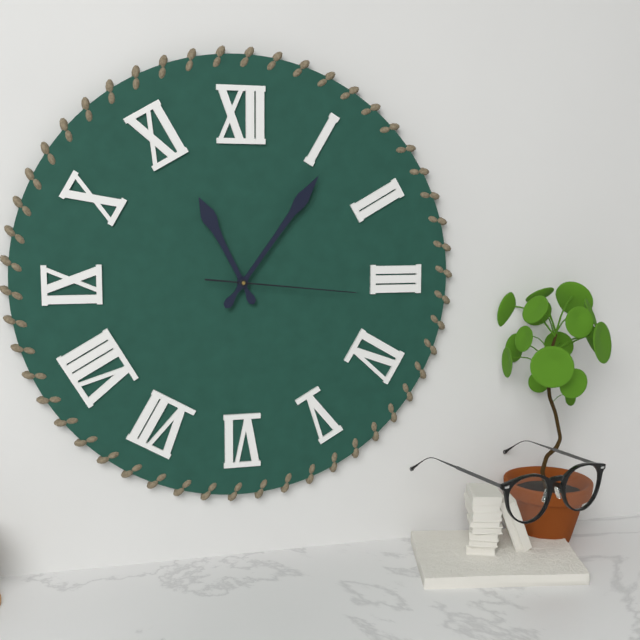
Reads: 11,06,16
